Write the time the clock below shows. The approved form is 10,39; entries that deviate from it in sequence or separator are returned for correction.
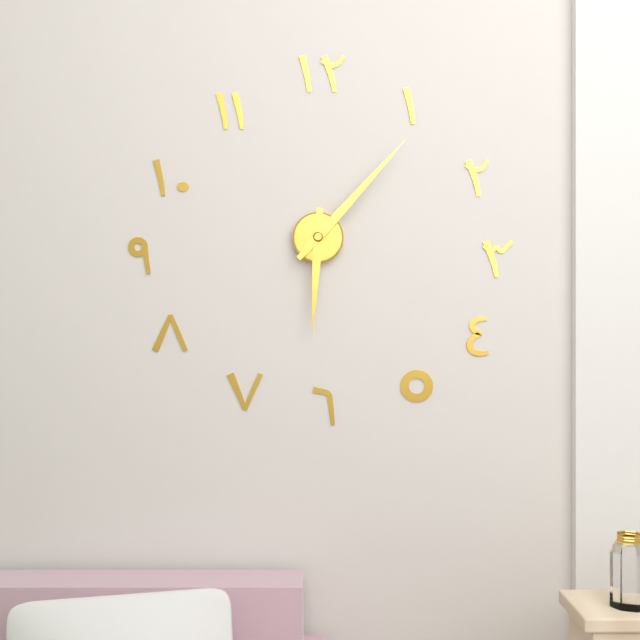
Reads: 6,07
